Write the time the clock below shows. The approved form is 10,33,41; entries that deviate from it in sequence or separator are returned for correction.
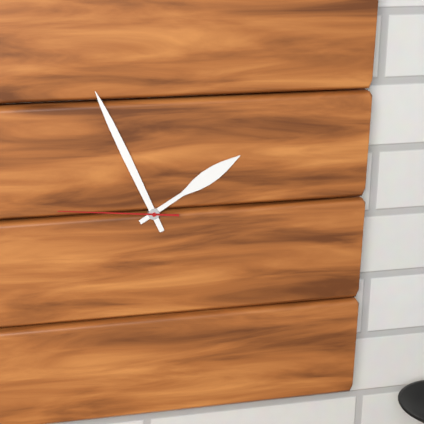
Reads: 1,56,46
